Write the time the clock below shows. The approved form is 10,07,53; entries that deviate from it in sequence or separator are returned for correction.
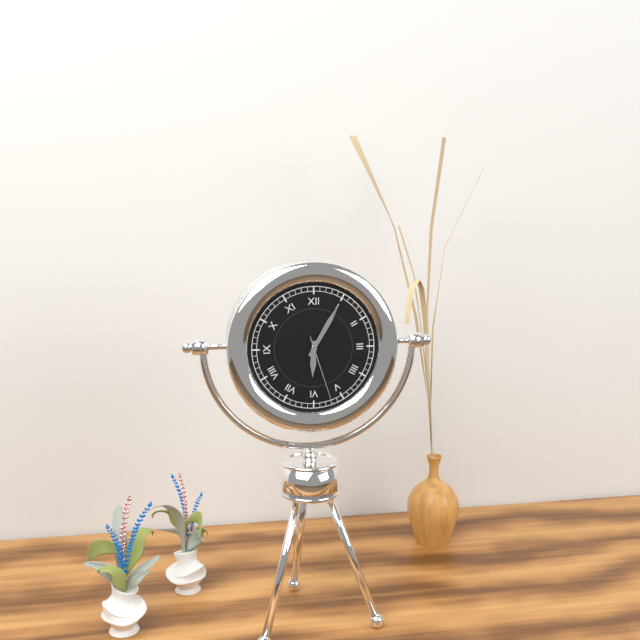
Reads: 6,05,27
